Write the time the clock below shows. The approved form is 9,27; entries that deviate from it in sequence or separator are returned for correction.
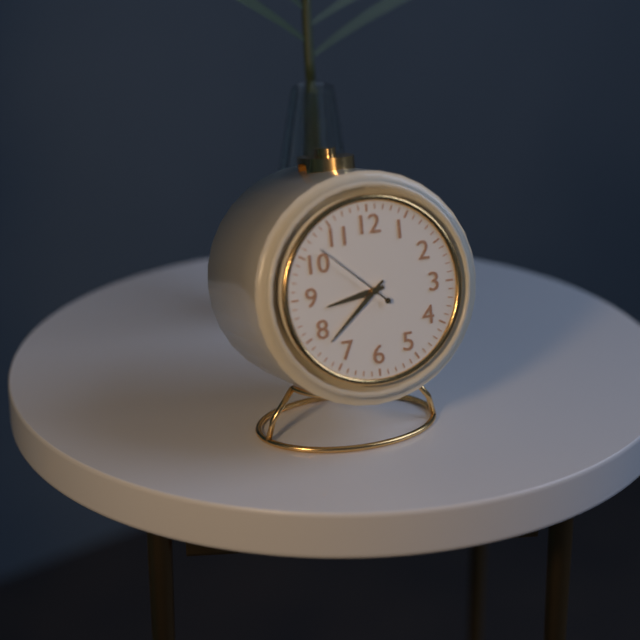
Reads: 8,38
